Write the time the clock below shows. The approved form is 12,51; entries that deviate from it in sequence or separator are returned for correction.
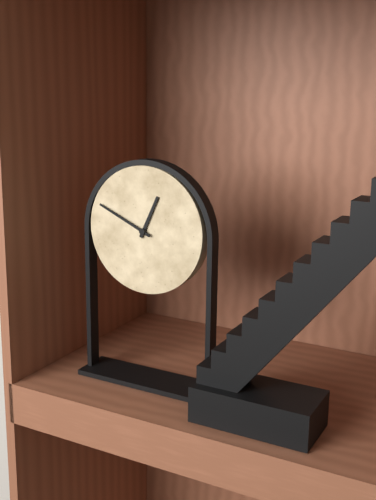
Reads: 12,49
